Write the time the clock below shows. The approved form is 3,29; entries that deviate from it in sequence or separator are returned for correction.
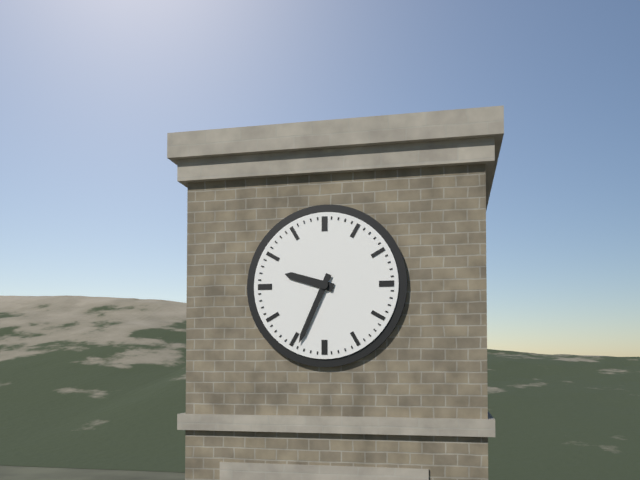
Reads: 9,34
